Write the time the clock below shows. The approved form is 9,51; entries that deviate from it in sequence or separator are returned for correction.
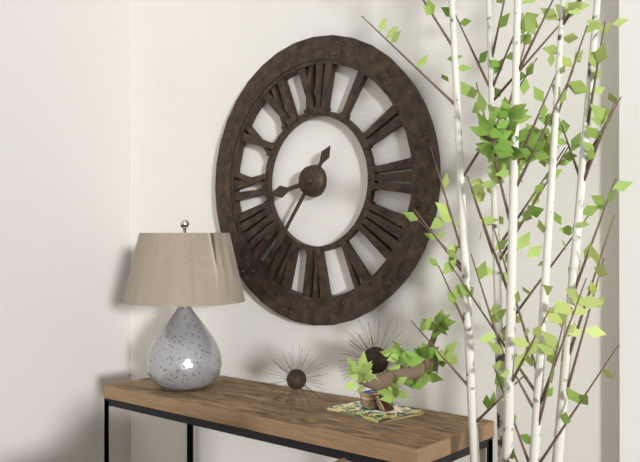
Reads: 8,36
